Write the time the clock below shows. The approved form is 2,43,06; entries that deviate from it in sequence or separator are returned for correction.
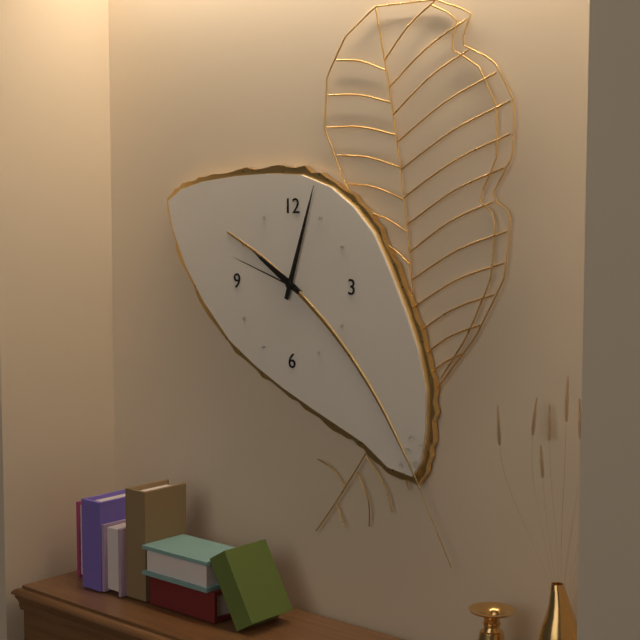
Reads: 10,03,48
